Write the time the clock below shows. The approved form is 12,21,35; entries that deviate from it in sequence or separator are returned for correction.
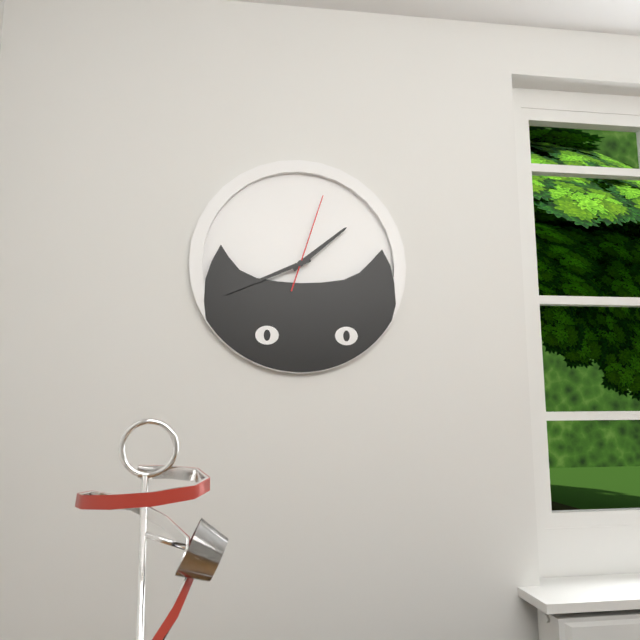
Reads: 1,41,03
